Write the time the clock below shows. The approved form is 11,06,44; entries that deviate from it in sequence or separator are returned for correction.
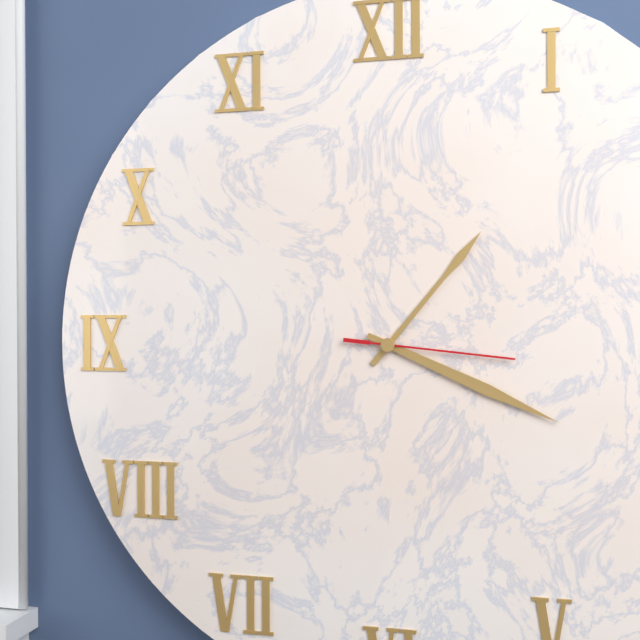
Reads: 1,19,16
